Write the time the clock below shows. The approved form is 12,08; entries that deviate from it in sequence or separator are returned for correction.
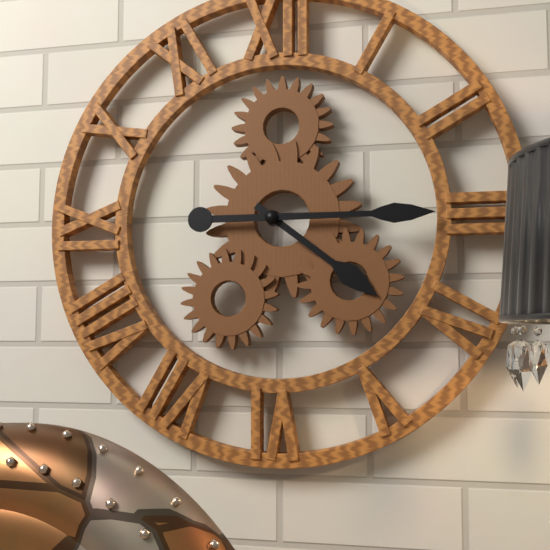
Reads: 4,15
